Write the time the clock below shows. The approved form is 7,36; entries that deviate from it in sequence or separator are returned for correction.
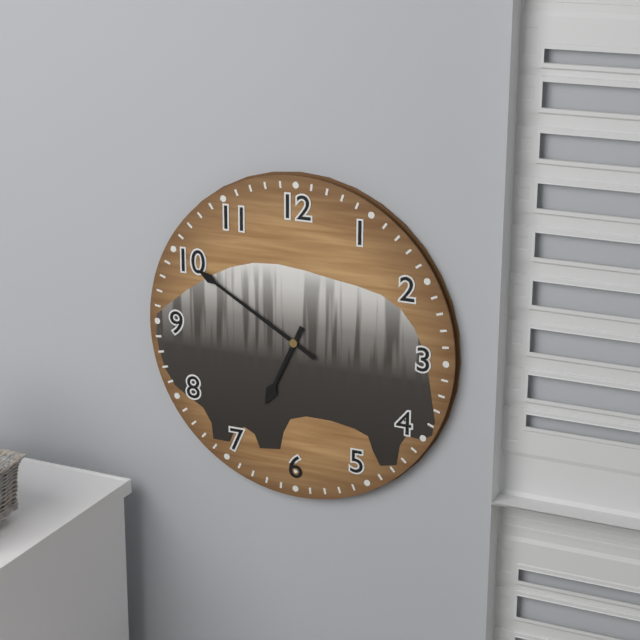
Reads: 6,50
